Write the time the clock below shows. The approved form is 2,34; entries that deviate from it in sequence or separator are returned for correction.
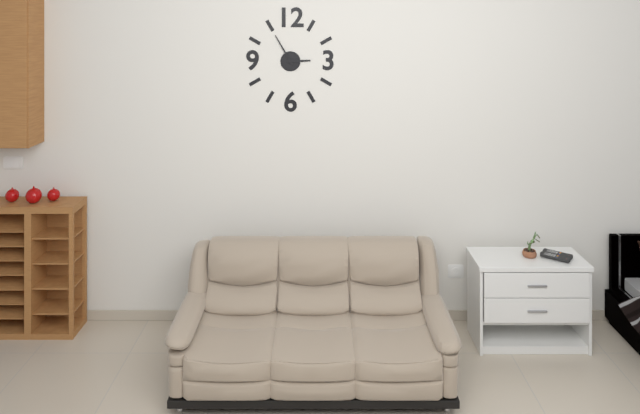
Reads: 2,55
